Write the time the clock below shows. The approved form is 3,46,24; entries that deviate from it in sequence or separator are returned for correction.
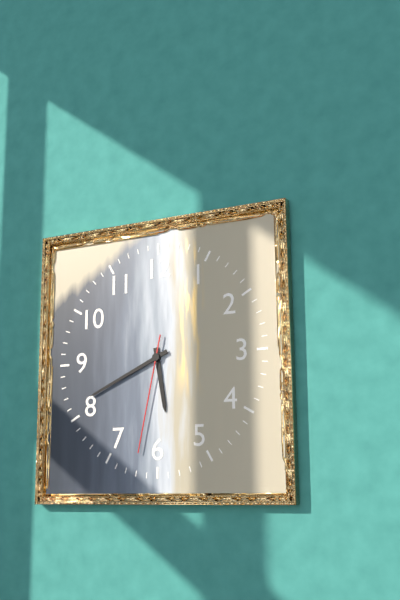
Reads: 5,41,32
